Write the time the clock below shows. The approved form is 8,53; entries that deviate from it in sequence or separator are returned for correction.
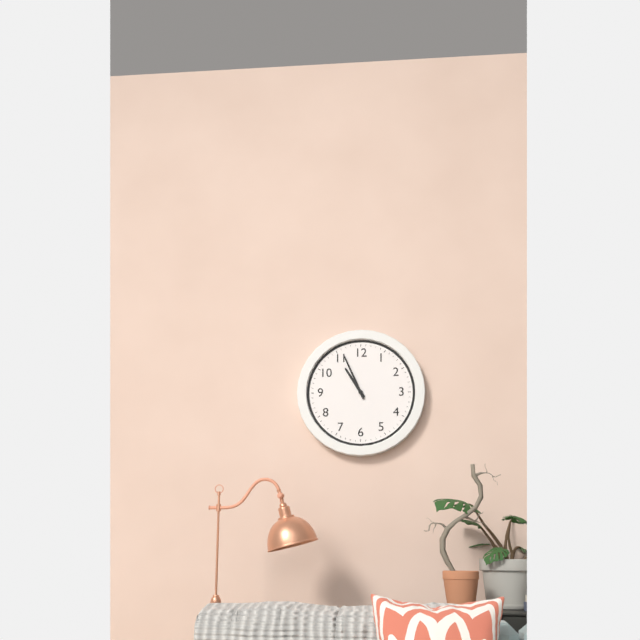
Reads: 10,56
